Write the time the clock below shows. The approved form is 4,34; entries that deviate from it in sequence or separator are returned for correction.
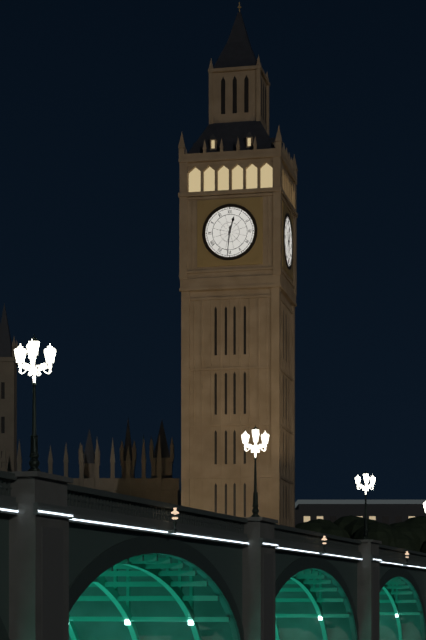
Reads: 12,31
